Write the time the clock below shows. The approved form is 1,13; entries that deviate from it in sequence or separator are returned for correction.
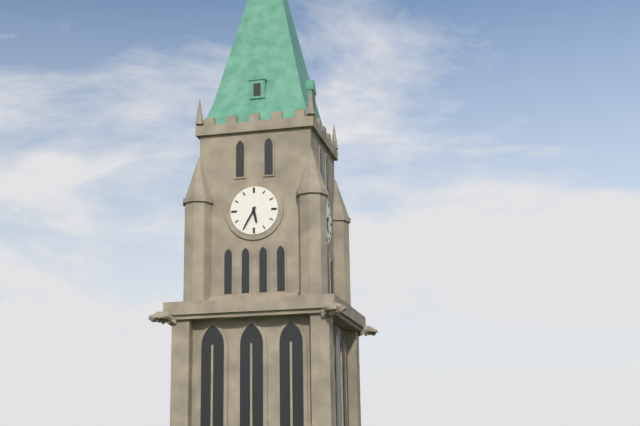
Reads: 5,35
